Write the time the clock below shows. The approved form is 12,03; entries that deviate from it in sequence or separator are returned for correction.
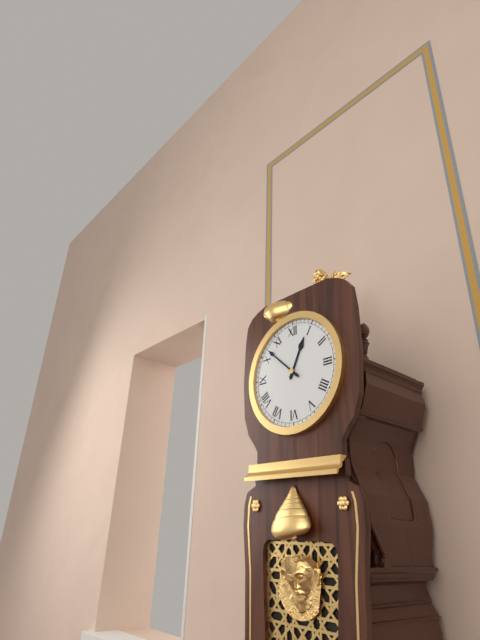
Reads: 12,52
